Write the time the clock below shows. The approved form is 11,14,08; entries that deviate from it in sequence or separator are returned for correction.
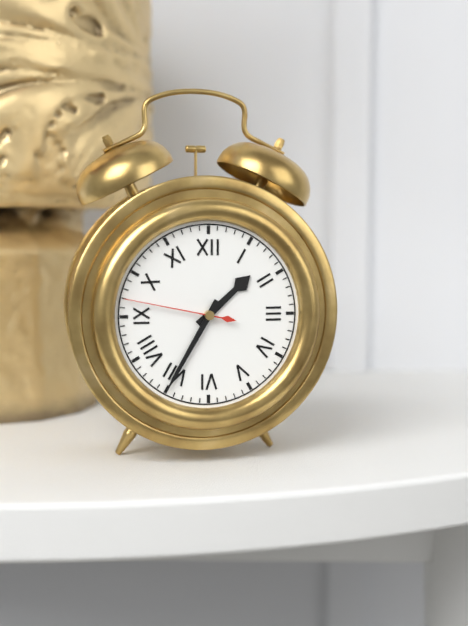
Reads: 1,35,47
